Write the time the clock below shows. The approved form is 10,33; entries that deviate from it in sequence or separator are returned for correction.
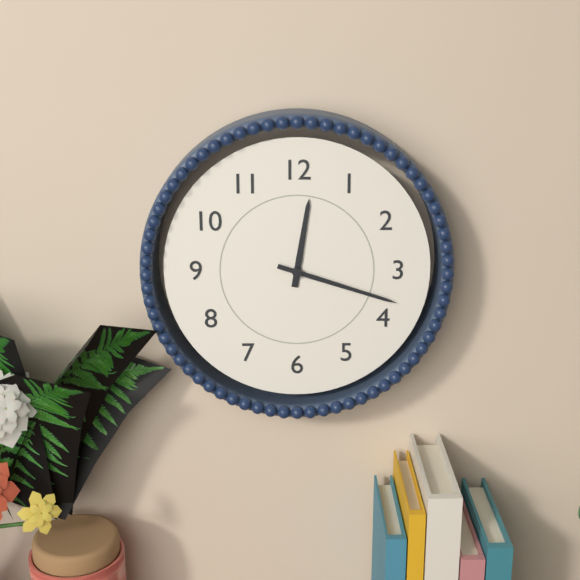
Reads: 12,18
